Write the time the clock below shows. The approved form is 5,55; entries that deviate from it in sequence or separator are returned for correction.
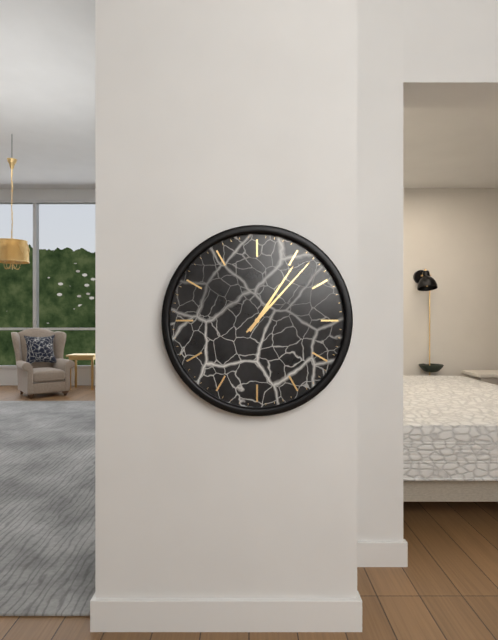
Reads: 1,07
